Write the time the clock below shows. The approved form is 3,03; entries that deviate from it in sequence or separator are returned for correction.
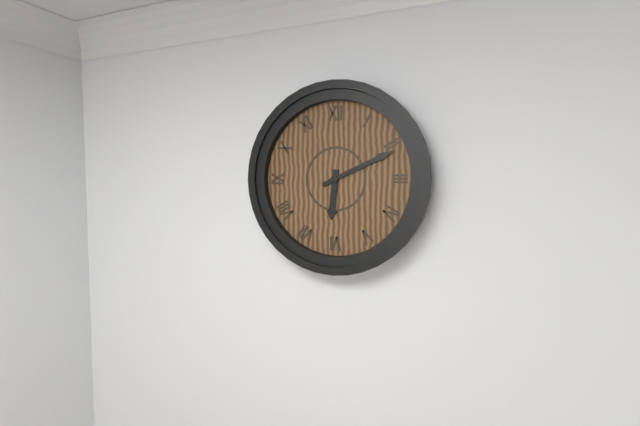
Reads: 6,11
